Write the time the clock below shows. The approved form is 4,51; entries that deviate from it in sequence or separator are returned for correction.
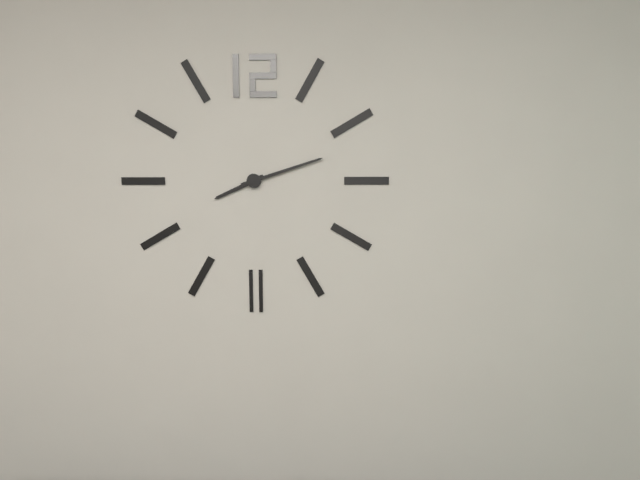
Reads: 8,12
